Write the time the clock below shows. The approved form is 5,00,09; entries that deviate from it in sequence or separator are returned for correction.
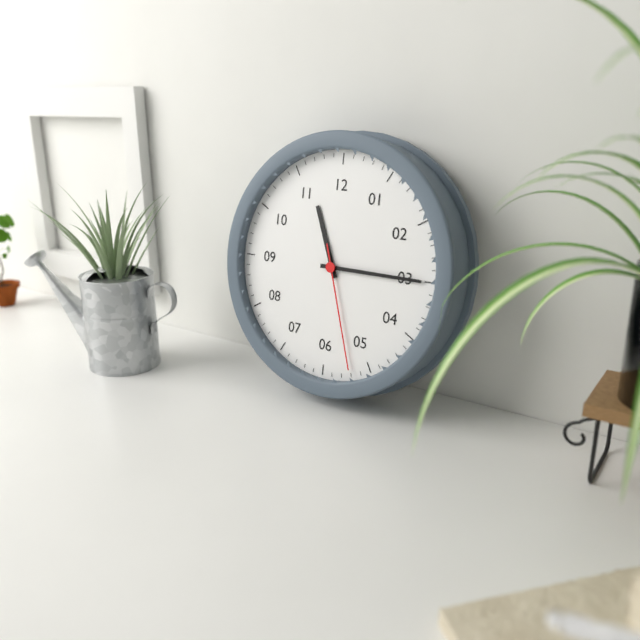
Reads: 11,15,27
